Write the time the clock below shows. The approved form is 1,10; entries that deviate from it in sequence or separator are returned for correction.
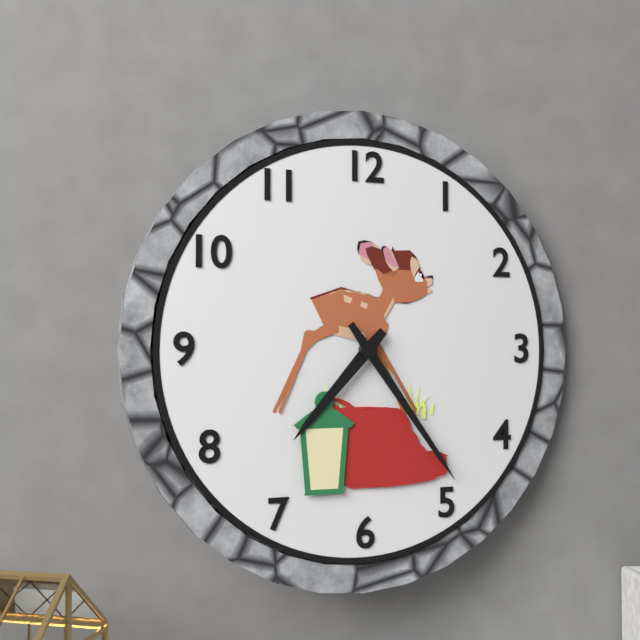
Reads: 7,24
